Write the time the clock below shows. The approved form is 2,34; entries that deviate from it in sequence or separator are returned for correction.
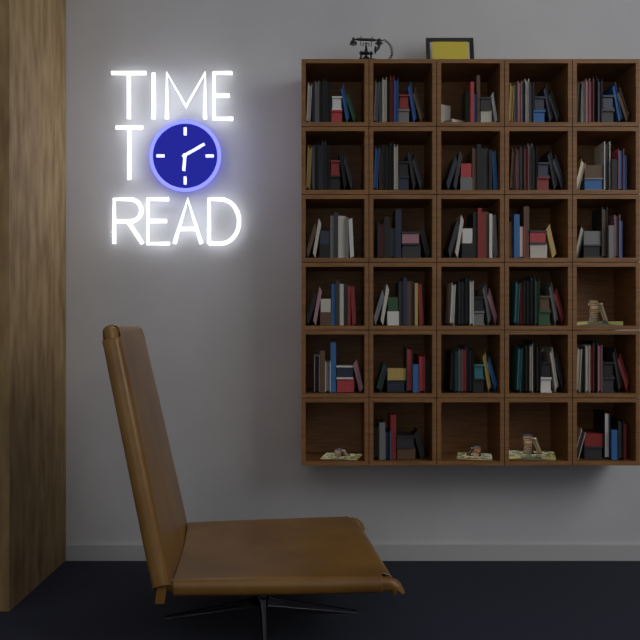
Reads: 6,10
